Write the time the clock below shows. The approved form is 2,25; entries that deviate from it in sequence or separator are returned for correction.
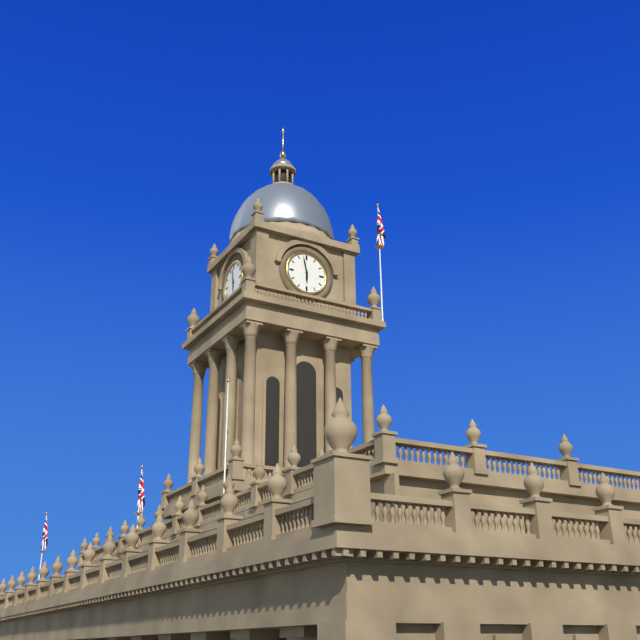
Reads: 5,58
